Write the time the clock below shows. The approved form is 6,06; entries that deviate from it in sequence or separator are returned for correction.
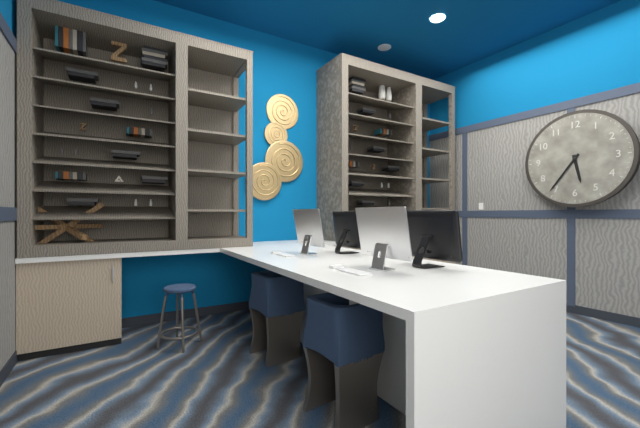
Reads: 5,36
